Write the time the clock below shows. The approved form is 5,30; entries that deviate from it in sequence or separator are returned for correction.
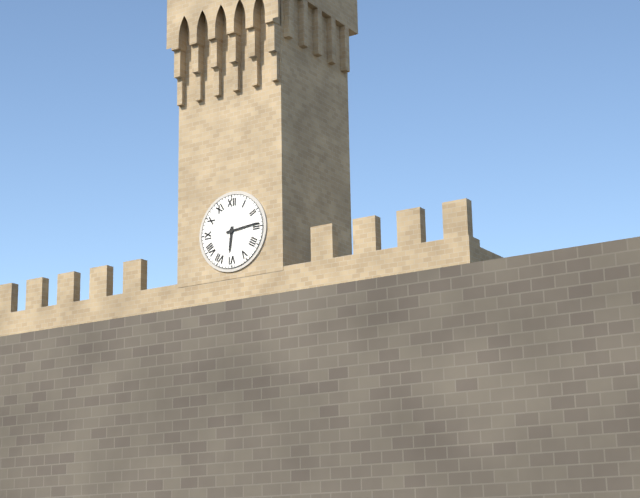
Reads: 6,14
